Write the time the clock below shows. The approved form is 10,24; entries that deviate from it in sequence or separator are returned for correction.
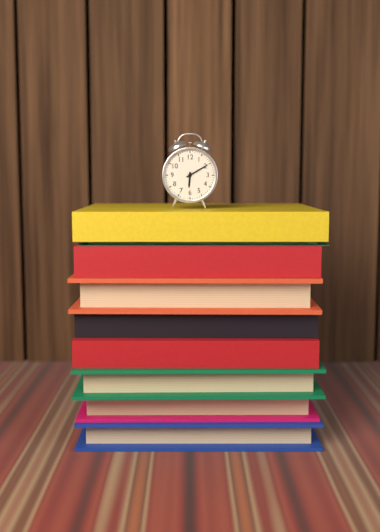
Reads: 6,10
